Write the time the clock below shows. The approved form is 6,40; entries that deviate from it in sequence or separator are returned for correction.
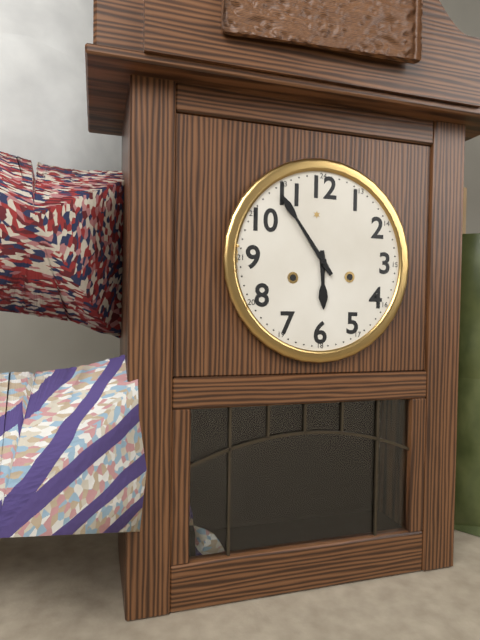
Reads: 5,54
